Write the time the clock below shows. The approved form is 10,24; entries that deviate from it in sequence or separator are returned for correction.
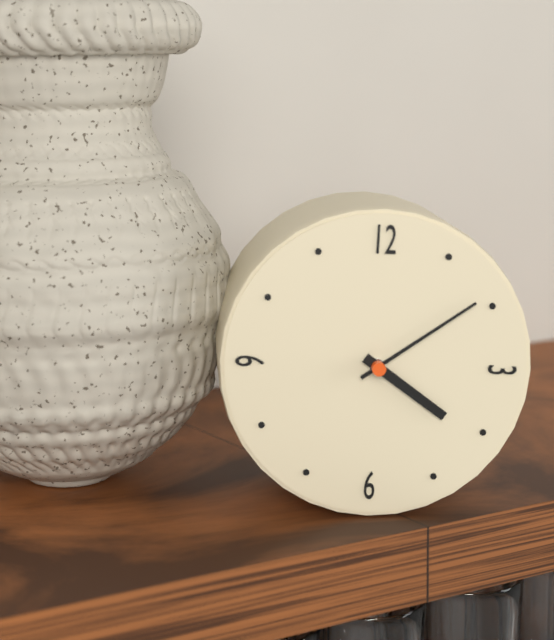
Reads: 4,09
